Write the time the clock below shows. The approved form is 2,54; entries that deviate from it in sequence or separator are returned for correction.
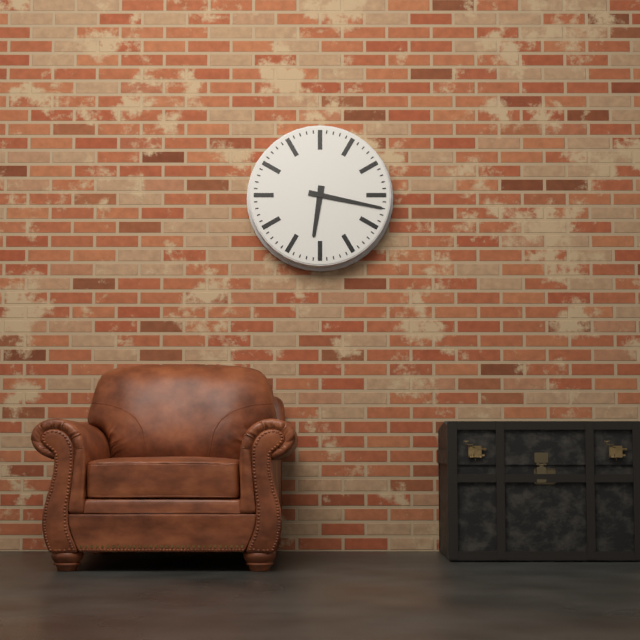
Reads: 6,17
